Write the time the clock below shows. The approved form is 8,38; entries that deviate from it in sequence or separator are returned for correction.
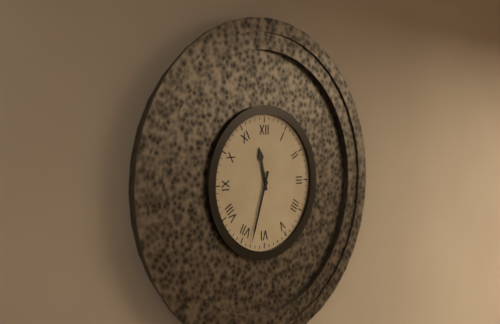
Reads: 11,33
